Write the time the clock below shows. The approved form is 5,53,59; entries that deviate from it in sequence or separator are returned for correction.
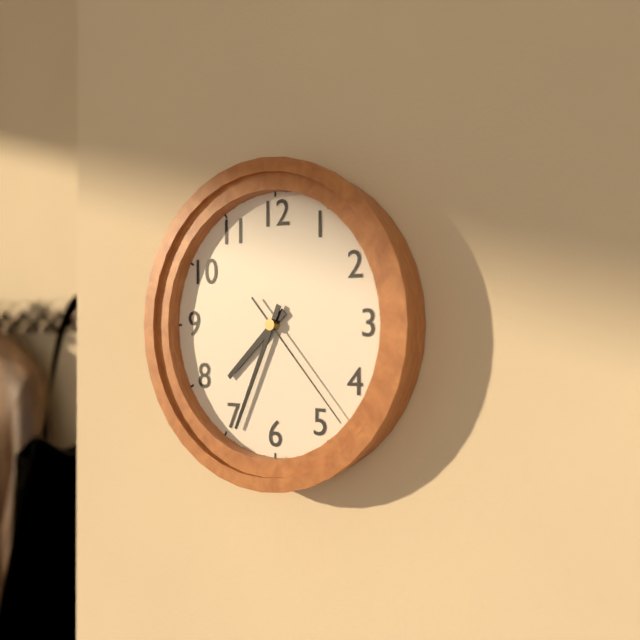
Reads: 7,34,23
